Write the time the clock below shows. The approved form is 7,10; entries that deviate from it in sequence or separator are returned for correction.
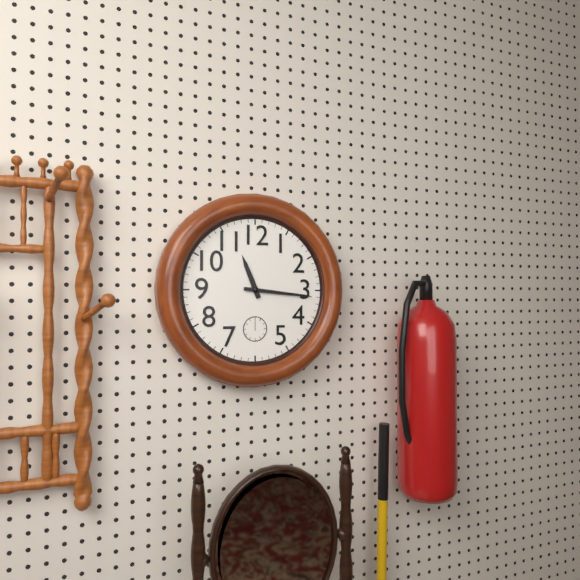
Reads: 11,16
